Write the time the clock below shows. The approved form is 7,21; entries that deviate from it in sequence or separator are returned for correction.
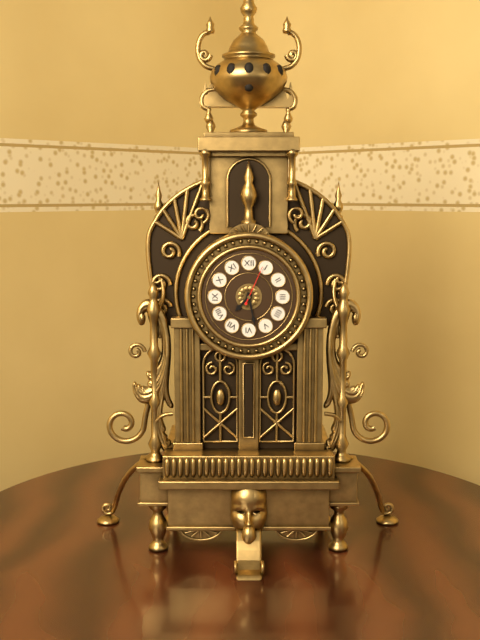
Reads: 7,28
